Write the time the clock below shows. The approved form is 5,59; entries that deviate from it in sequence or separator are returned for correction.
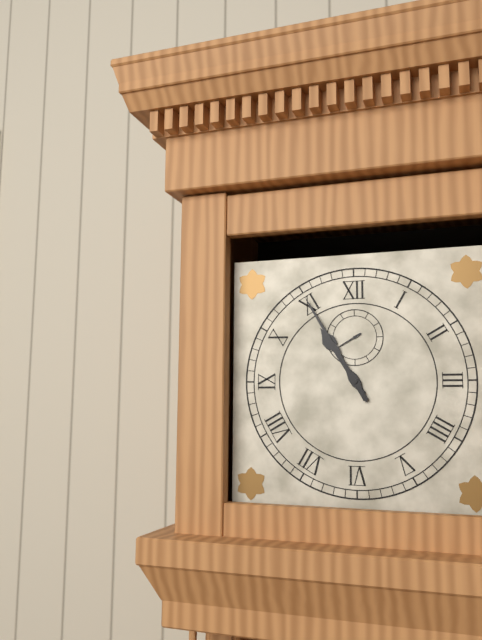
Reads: 10,55
